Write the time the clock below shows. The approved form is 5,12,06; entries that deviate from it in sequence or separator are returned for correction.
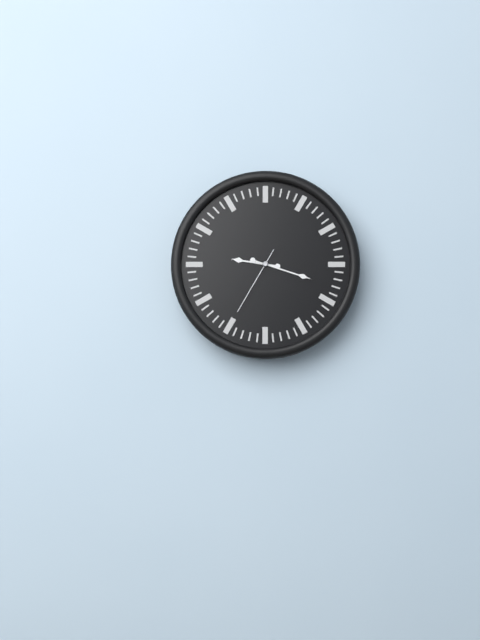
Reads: 9,18,35
